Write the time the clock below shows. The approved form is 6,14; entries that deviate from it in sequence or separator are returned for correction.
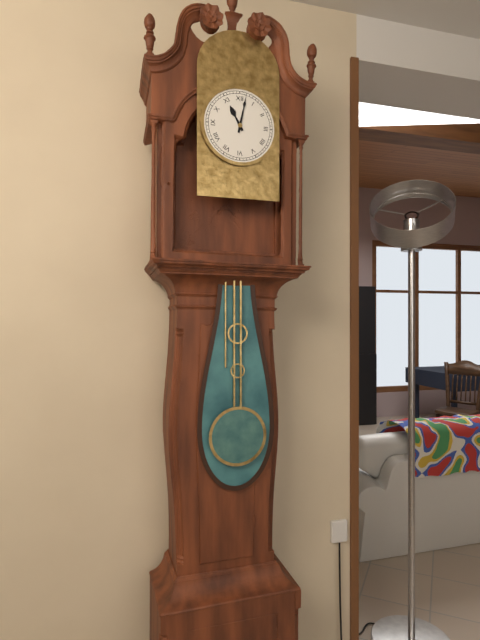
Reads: 11,02
